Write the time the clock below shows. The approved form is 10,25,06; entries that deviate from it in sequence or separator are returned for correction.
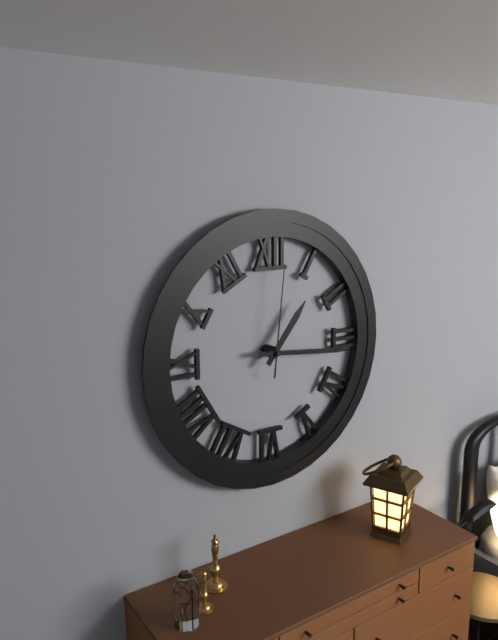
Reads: 1,16,01
